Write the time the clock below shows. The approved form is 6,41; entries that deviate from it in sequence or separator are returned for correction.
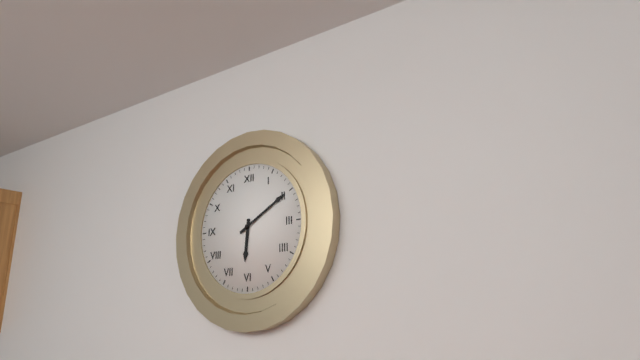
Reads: 6,10
